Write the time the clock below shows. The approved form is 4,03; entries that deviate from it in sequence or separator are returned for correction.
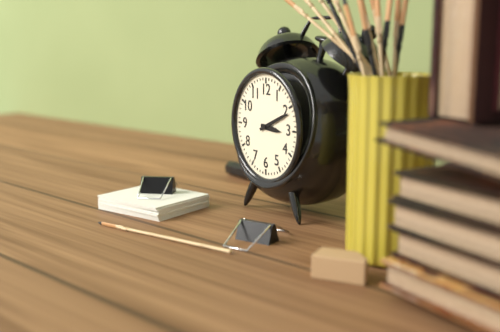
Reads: 3,11
